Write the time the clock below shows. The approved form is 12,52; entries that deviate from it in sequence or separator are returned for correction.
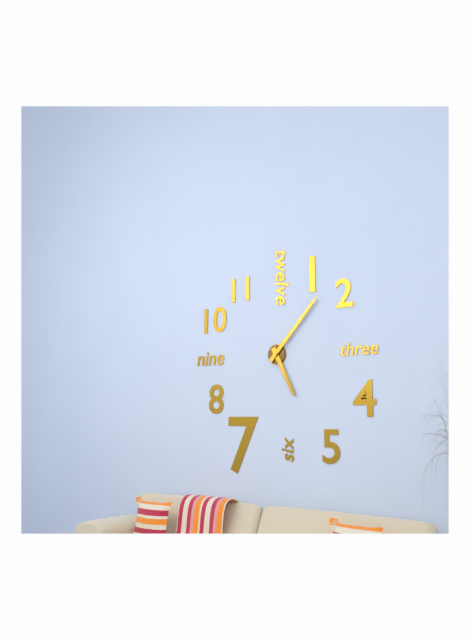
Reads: 5,07
